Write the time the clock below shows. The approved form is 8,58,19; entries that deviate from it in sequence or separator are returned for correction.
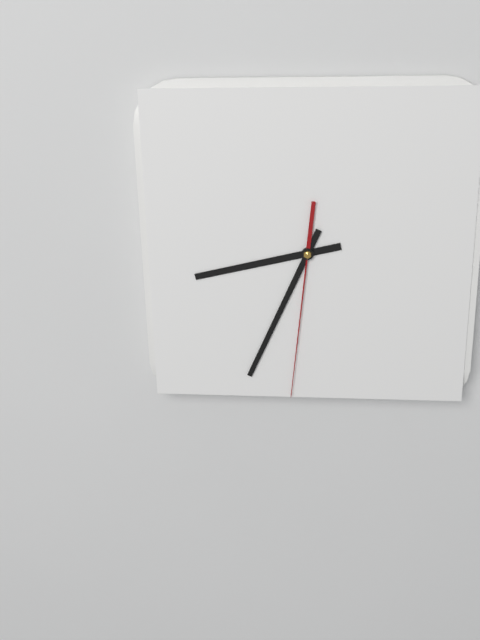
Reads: 8,34,31
